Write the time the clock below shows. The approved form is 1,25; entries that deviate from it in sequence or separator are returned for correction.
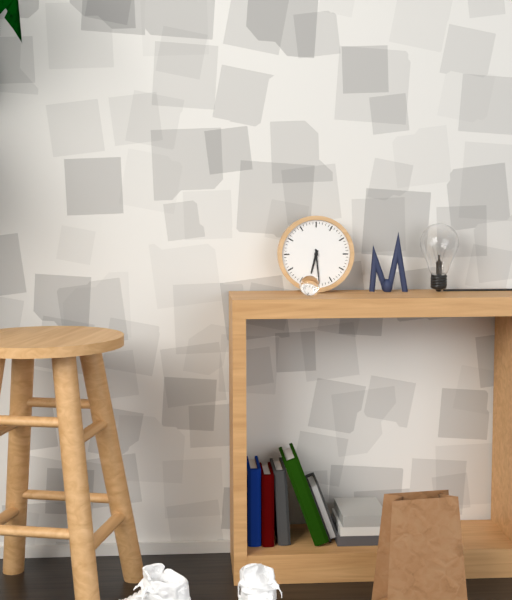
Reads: 6,29
